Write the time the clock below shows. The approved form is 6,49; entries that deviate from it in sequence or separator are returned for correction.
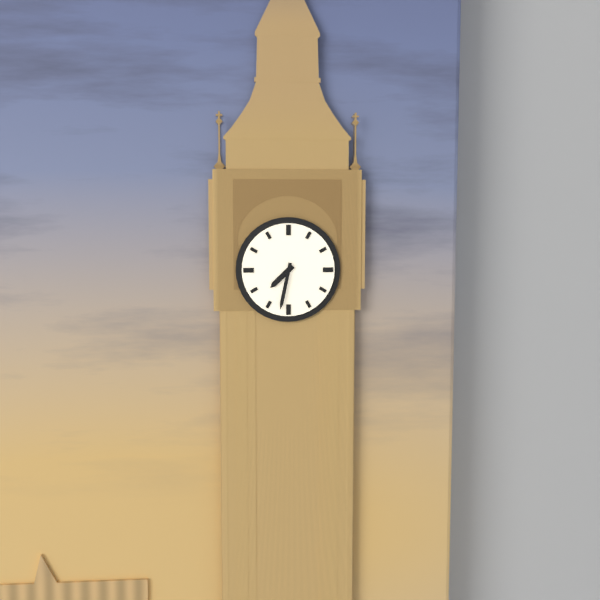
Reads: 7,32
